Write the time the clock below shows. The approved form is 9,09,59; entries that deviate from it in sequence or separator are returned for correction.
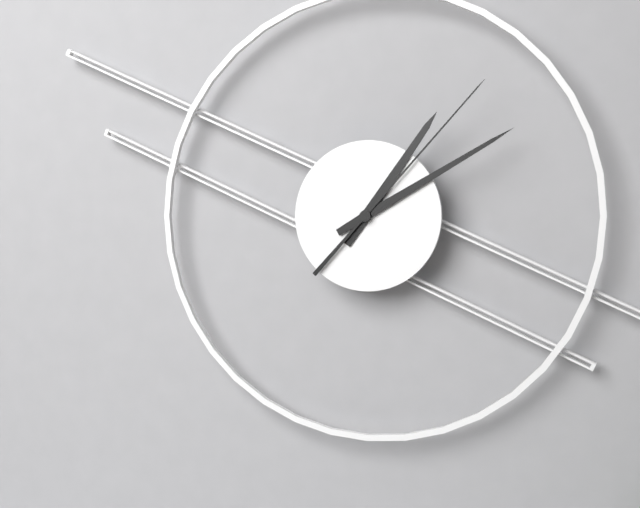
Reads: 1,10,07
